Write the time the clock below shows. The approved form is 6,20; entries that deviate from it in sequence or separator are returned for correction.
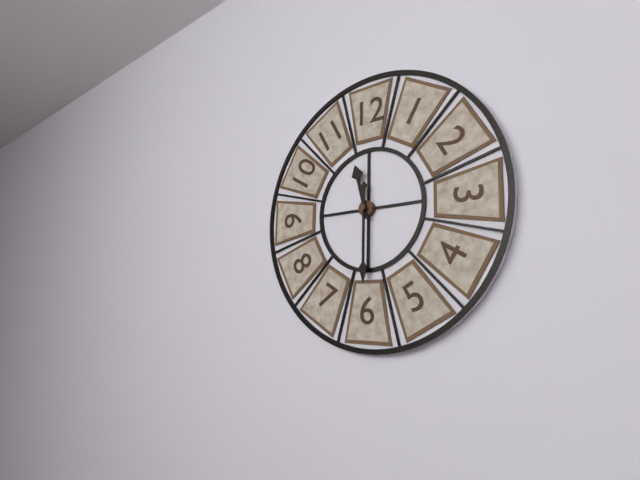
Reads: 11,30
